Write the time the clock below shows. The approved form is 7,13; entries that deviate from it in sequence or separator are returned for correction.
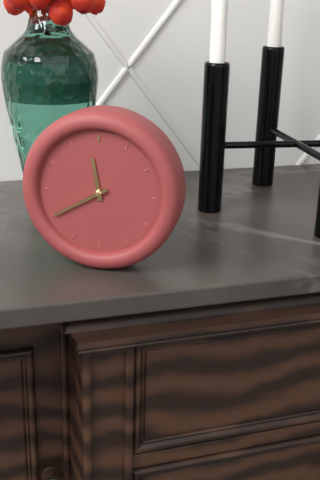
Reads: 11,40
